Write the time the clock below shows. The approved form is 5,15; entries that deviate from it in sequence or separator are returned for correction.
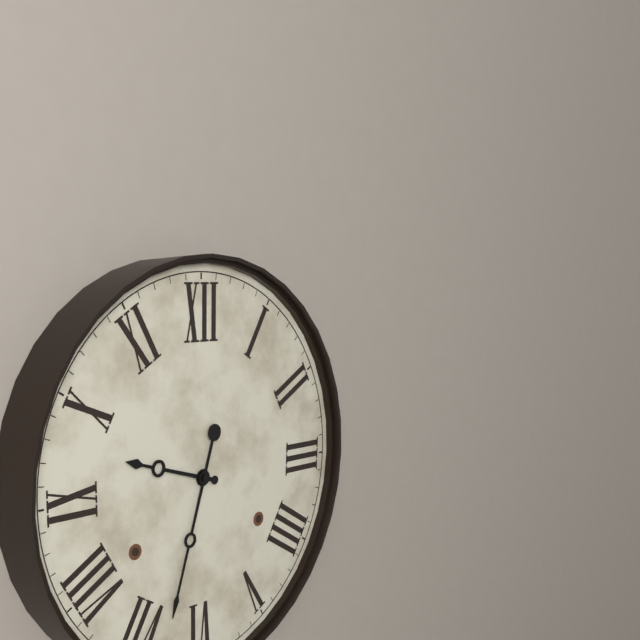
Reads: 9,33
